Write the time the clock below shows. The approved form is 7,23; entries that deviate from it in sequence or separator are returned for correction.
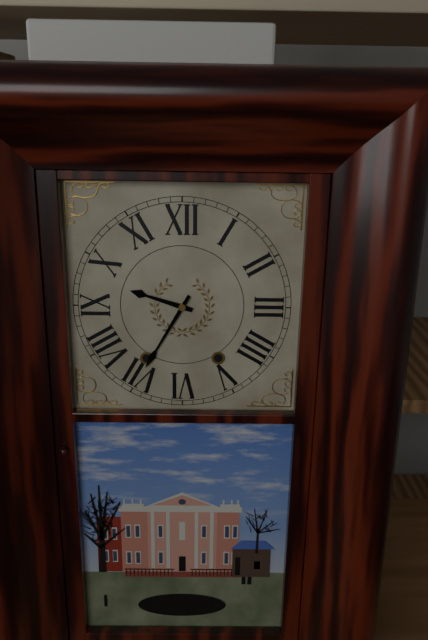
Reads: 9,35
